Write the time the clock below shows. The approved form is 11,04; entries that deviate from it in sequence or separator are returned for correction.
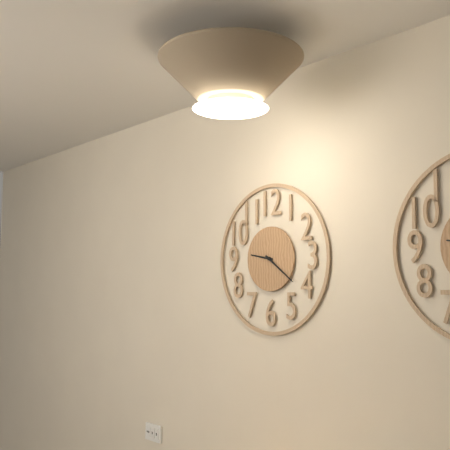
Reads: 9,21
